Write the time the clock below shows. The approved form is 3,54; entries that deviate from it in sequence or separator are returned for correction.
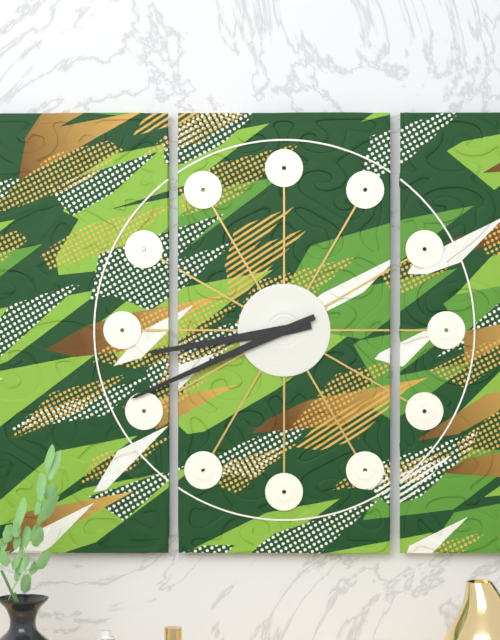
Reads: 8,41
